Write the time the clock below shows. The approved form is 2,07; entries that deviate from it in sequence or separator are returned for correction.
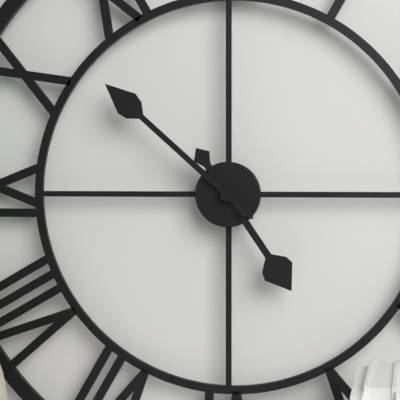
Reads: 4,52
